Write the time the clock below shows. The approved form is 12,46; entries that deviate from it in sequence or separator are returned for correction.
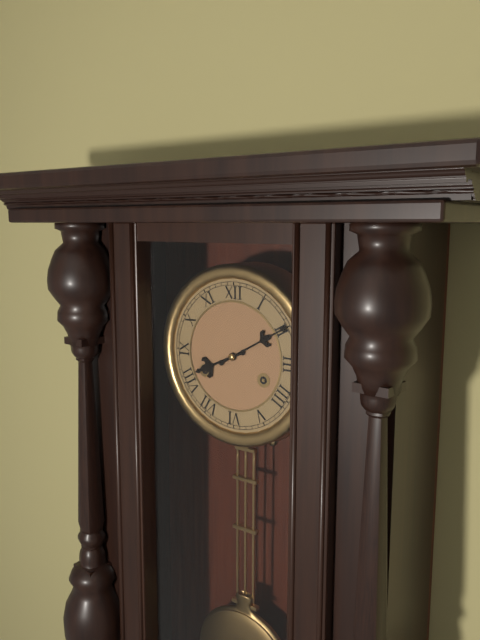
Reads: 8,10
